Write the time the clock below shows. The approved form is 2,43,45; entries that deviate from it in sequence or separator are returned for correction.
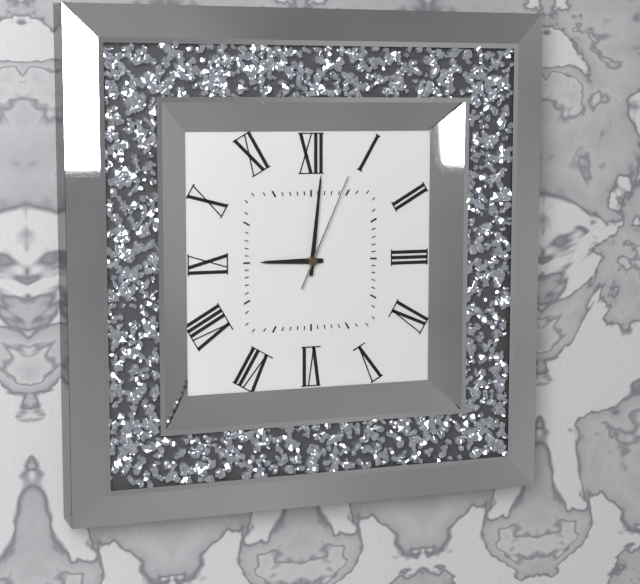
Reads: 9,01,04
